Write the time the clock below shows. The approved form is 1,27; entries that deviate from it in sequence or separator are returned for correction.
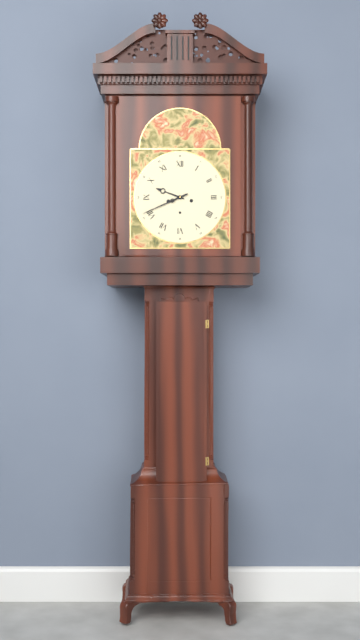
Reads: 9,41
